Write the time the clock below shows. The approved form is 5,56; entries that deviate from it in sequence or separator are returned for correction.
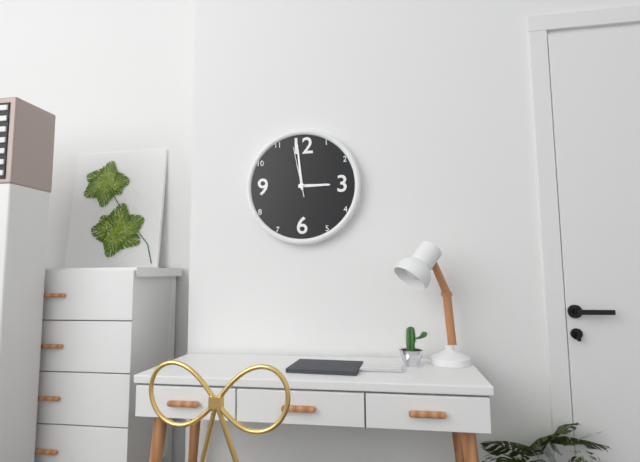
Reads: 2,59
